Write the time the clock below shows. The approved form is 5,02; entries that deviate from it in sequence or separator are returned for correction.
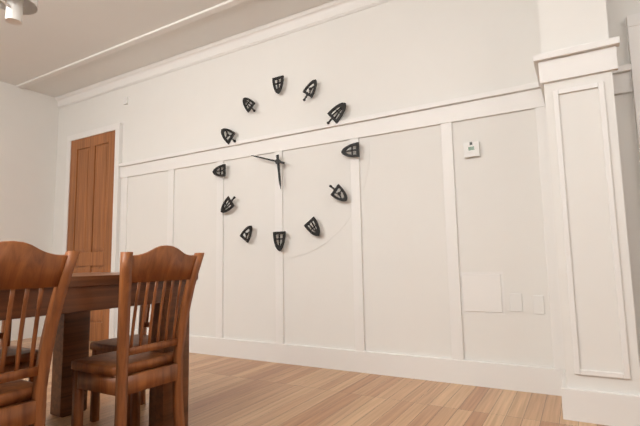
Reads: 5,48
